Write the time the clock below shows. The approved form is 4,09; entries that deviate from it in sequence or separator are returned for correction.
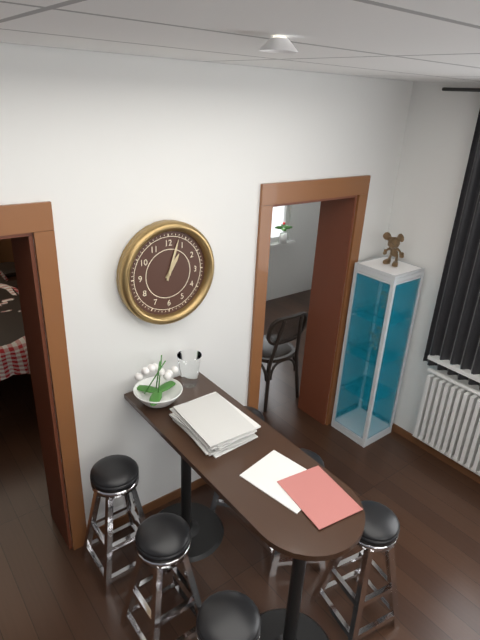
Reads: 1,03
